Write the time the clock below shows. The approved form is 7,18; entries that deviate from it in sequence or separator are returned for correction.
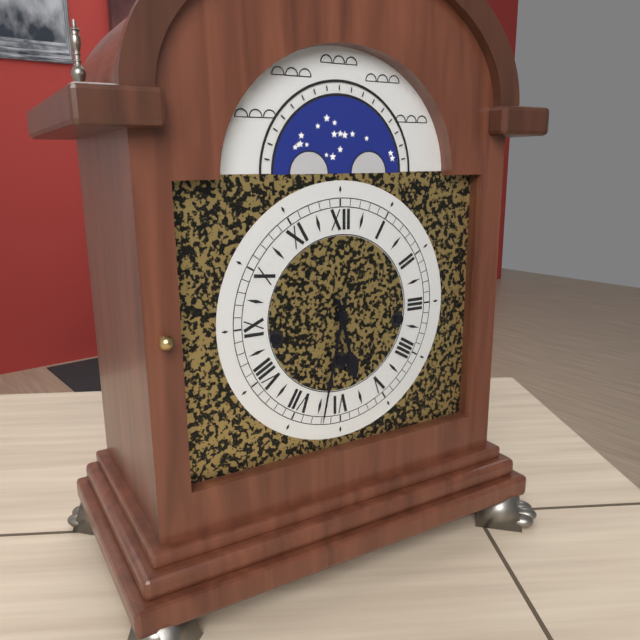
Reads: 5,32
